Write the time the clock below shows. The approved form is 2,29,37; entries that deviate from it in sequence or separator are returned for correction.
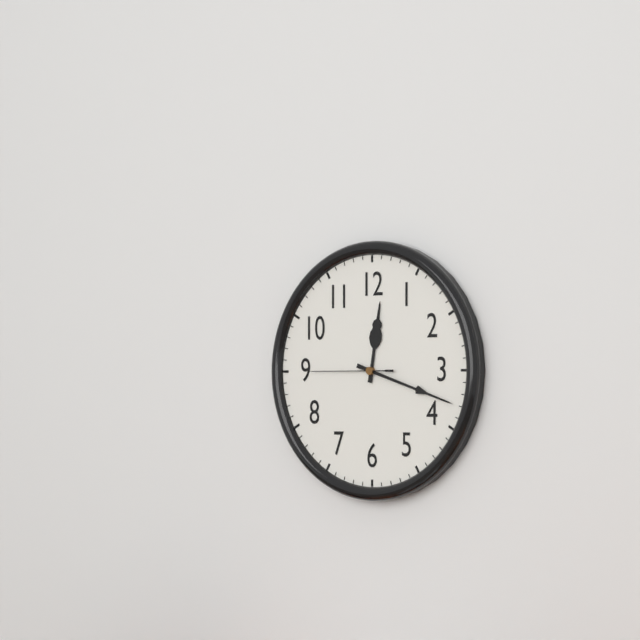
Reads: 12,18,45
